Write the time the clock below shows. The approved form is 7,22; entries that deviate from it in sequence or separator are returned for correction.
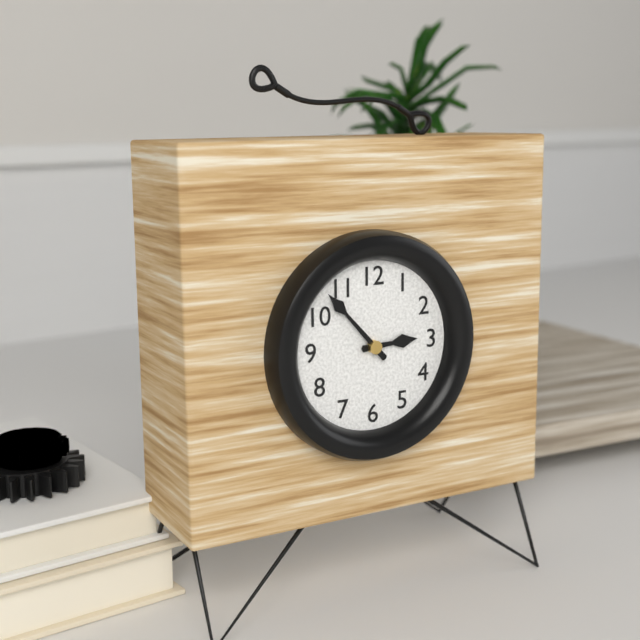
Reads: 2,53
